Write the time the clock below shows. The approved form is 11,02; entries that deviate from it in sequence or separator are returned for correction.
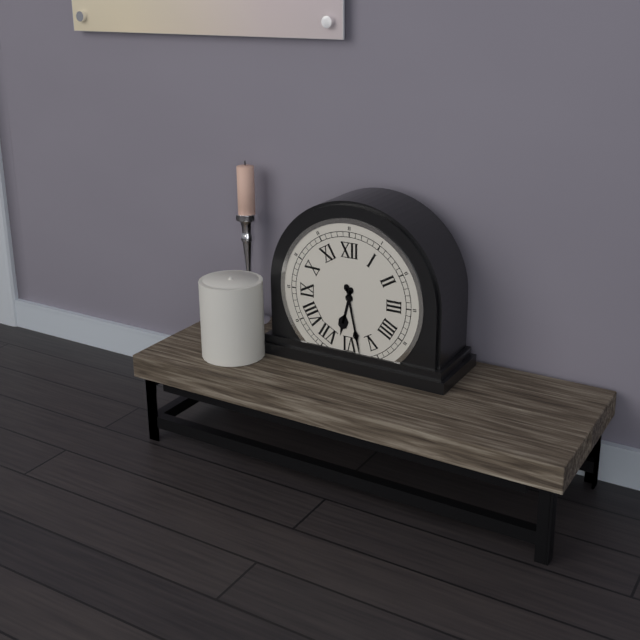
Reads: 6,28
